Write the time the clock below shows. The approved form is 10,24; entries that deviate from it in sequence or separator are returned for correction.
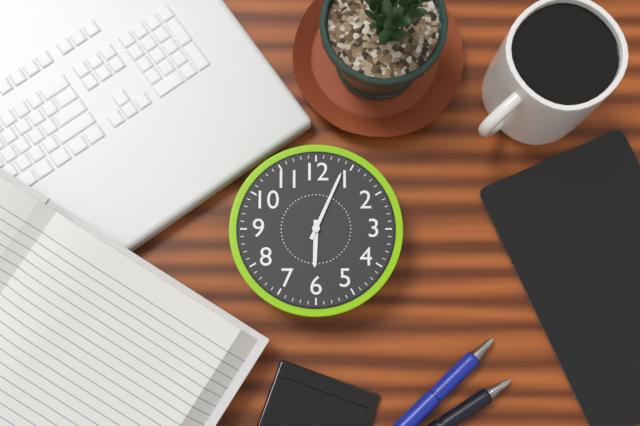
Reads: 6,04
